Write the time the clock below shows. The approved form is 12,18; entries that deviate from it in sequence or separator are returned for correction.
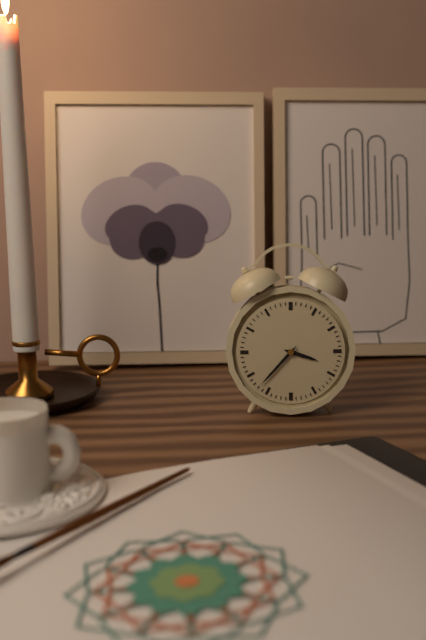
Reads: 3,37
